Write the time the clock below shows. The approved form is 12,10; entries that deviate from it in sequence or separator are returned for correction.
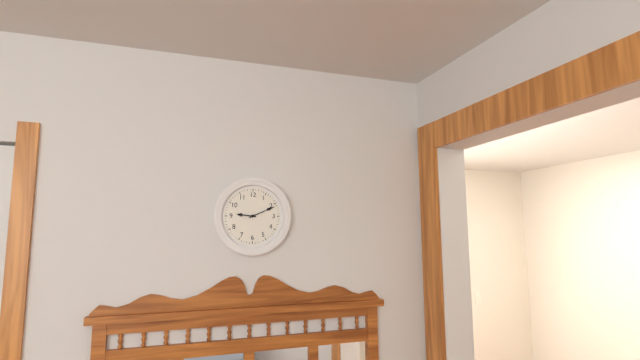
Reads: 9,11
